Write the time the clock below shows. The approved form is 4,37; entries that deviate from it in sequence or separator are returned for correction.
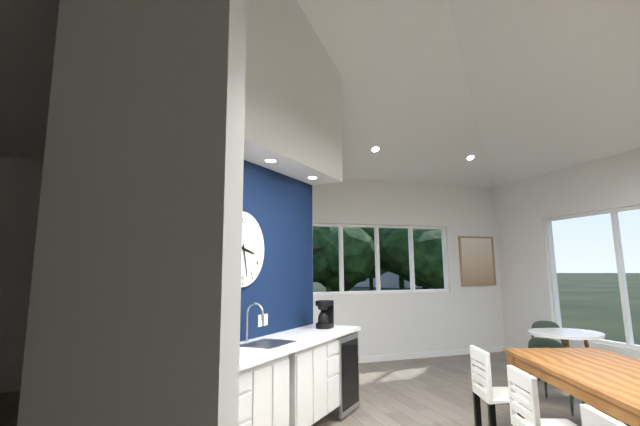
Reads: 3,28
